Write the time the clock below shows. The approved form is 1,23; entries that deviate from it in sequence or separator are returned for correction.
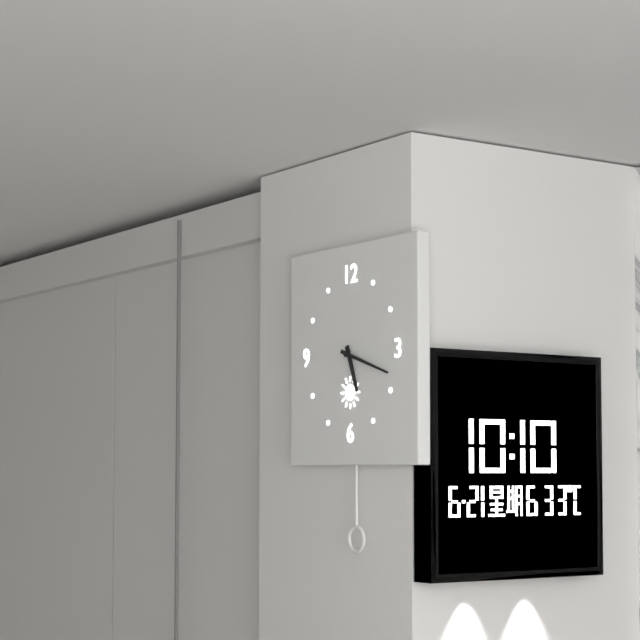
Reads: 5,18
